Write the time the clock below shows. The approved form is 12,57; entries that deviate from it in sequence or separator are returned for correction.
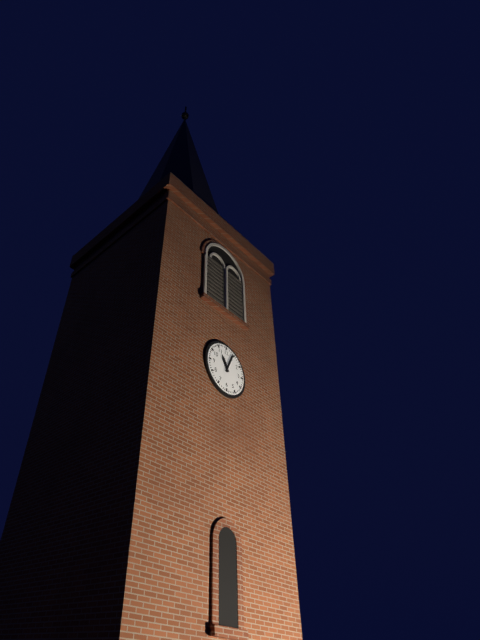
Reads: 11,04
